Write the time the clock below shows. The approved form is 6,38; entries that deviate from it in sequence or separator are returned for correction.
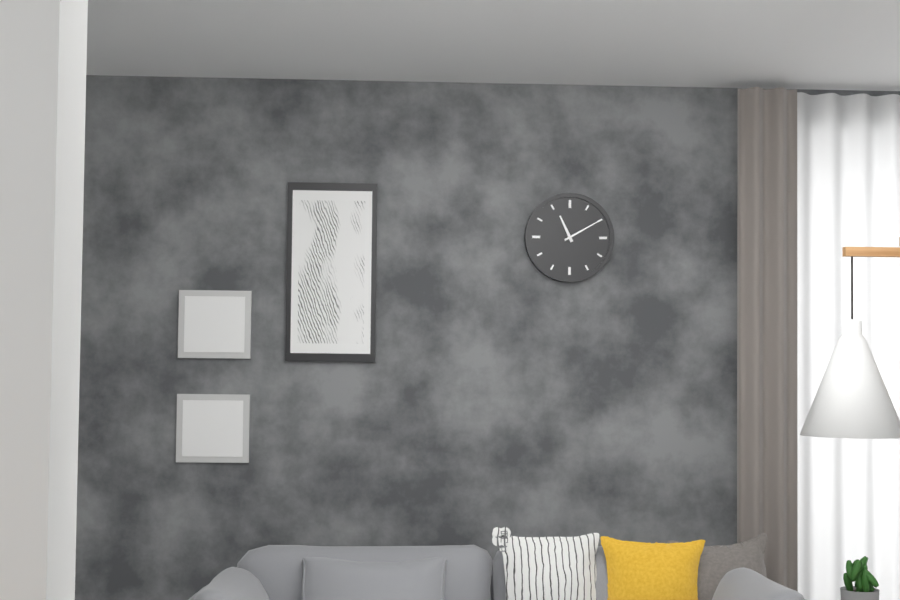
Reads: 11,10
